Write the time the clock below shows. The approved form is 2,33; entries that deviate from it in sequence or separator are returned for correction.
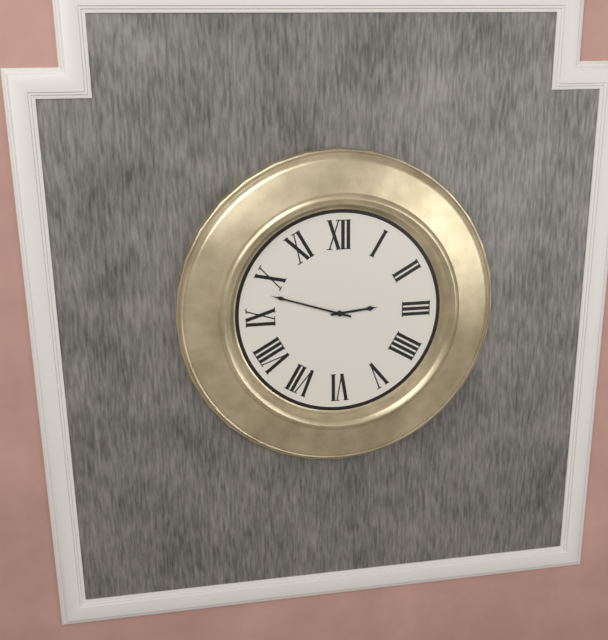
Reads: 2,48
